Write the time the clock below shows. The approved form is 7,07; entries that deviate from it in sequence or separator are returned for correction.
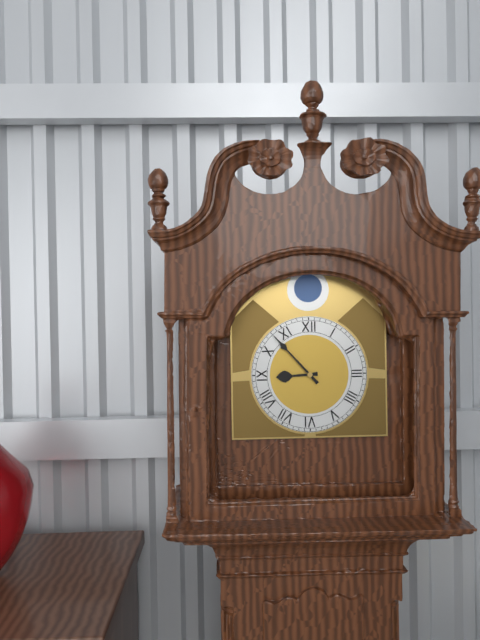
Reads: 8,53
